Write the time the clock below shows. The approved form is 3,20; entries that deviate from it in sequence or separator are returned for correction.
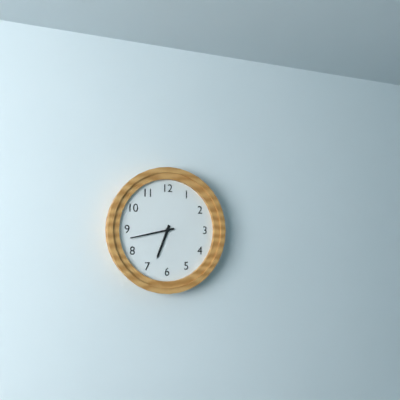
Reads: 6,43
